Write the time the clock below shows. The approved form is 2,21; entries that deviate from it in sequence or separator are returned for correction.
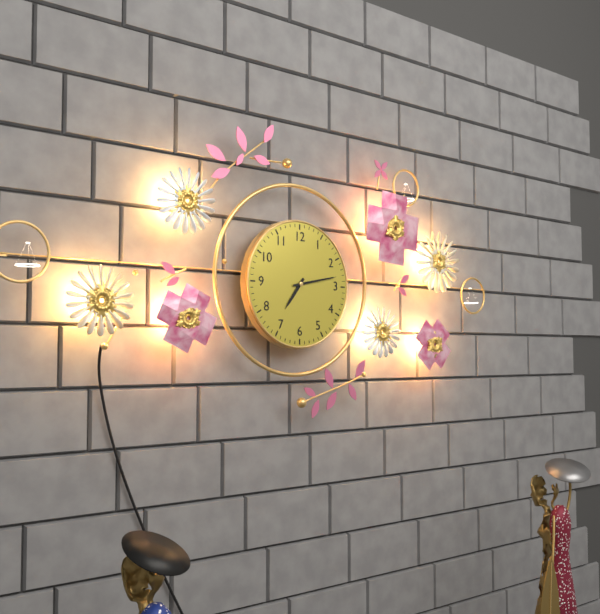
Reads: 7,13
